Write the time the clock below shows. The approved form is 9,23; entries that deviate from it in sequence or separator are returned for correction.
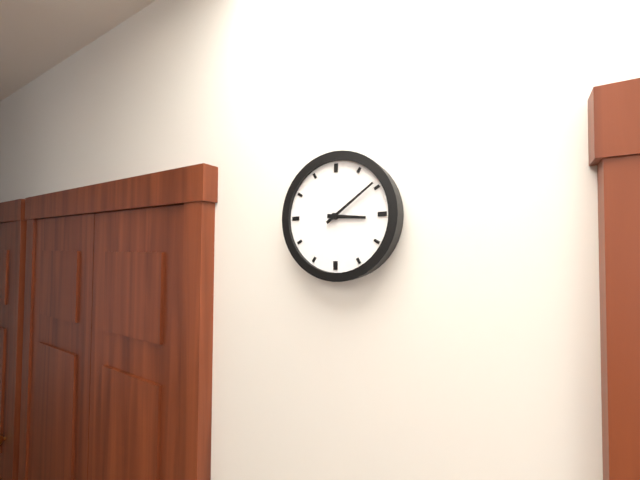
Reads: 3,09
